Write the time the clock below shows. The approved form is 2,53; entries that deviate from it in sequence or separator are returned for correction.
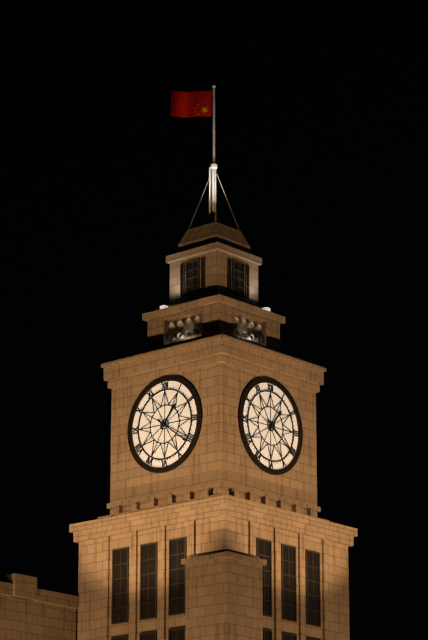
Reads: 1,21
